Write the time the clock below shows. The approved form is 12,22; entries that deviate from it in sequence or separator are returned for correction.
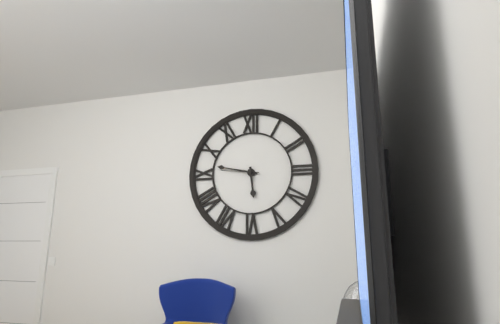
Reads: 5,47
